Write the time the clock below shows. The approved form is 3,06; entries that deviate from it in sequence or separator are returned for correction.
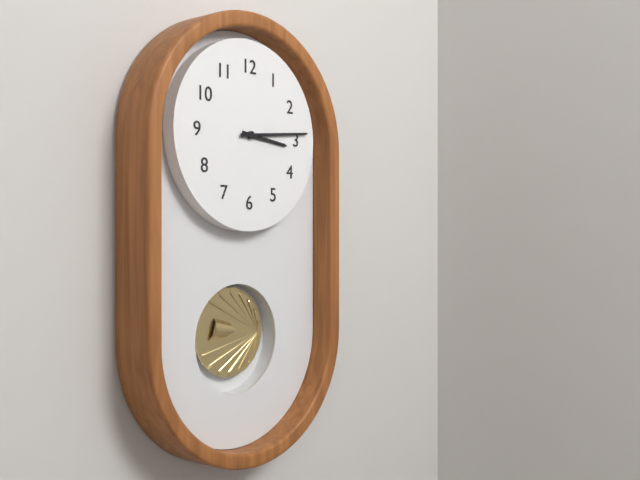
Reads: 3,14
